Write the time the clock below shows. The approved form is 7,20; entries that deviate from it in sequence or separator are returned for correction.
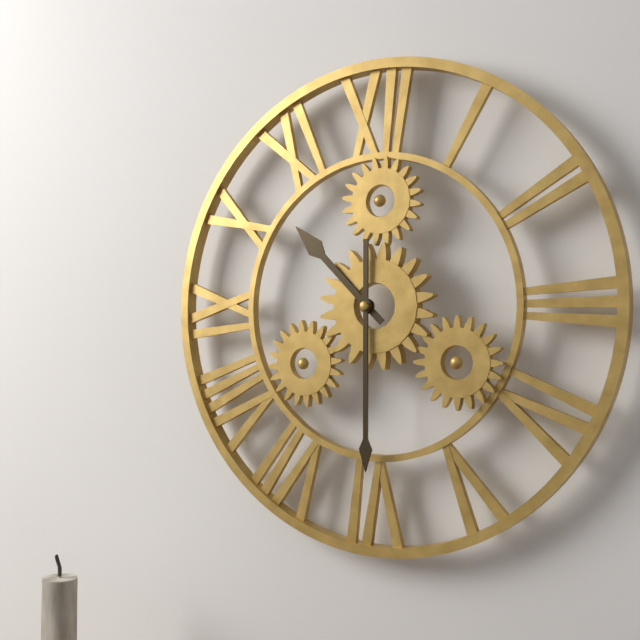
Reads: 10,30
